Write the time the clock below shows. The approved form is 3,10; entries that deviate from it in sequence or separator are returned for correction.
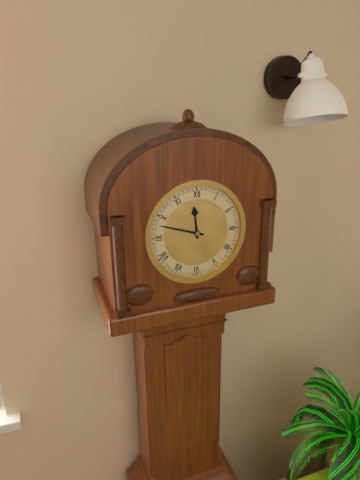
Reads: 11,48
